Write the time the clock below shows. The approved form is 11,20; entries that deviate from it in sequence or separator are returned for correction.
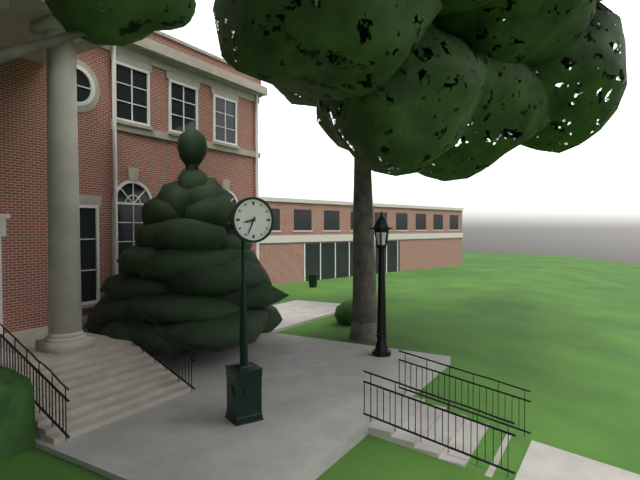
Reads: 8,34
